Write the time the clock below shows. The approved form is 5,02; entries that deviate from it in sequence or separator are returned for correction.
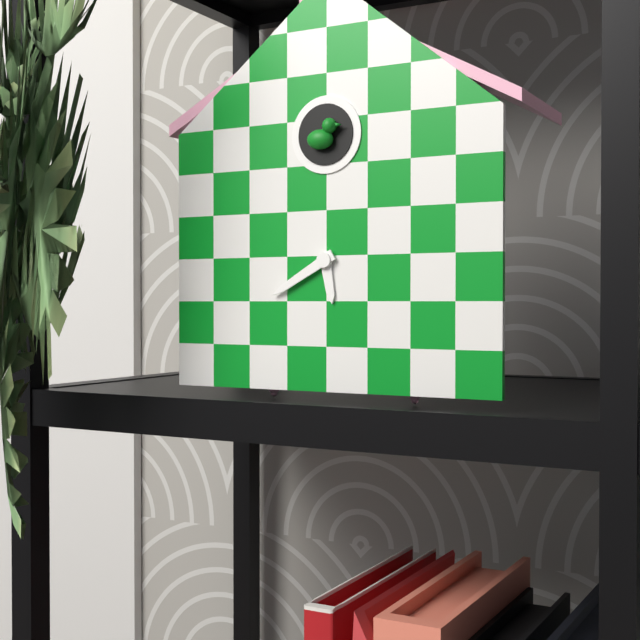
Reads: 5,40
